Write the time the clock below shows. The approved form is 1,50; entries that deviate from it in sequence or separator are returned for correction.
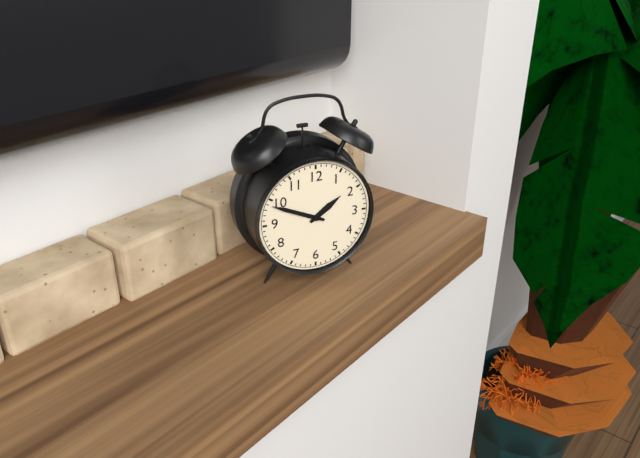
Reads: 1,49
